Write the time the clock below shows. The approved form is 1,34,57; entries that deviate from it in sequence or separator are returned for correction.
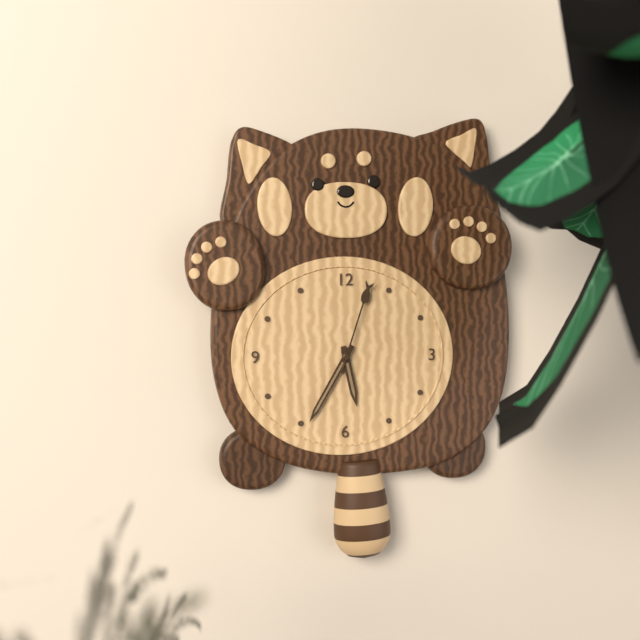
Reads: 5,35,03
